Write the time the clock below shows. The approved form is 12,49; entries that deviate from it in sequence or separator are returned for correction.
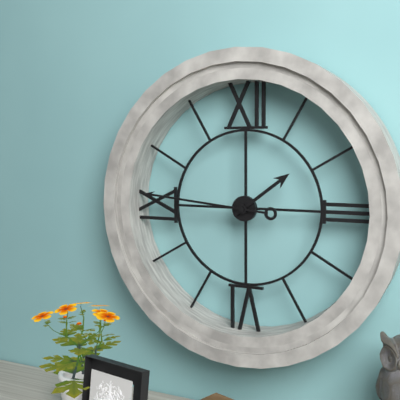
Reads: 1,46
